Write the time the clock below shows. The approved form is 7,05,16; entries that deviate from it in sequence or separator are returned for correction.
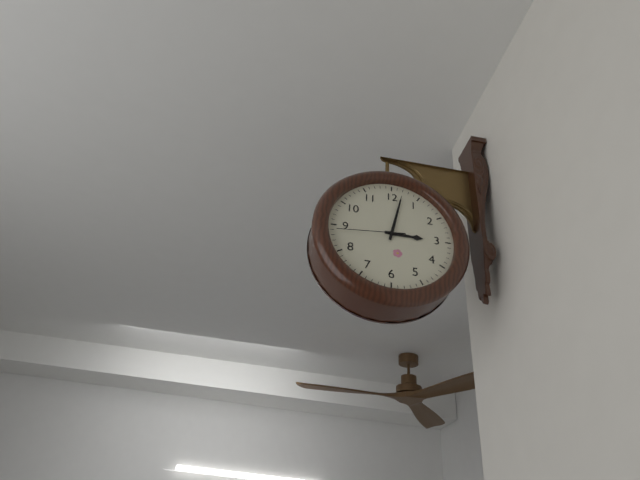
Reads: 3,02,44
